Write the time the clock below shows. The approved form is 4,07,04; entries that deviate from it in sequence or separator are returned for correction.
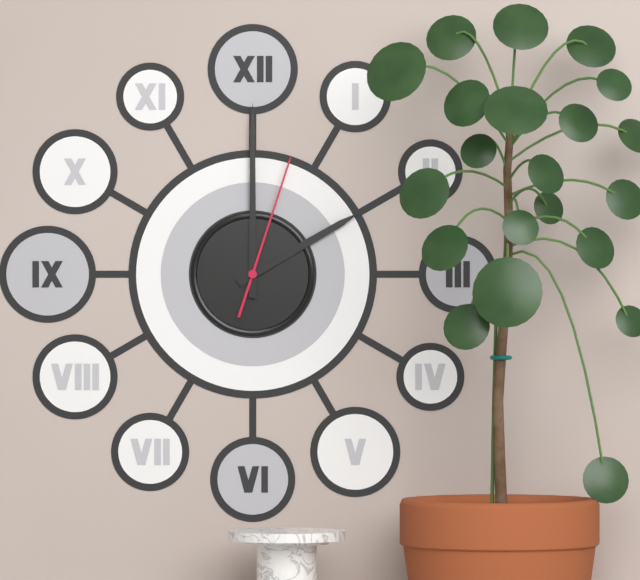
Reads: 2,00,03
